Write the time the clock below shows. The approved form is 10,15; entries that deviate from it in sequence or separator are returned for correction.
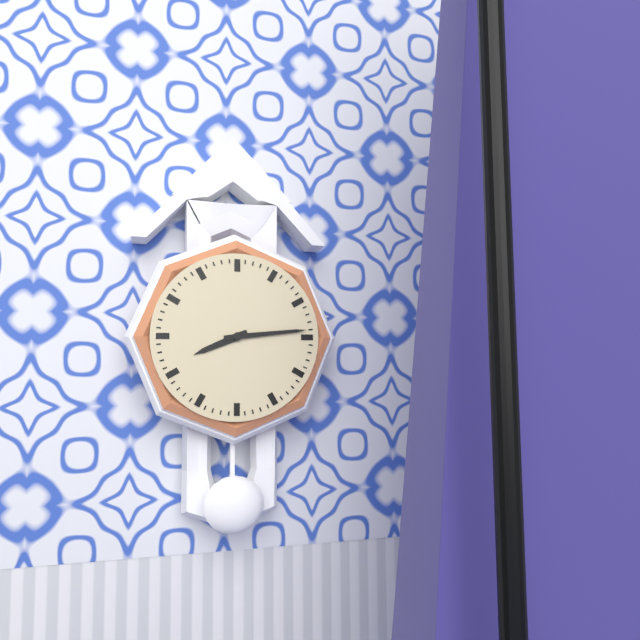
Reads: 8,14
